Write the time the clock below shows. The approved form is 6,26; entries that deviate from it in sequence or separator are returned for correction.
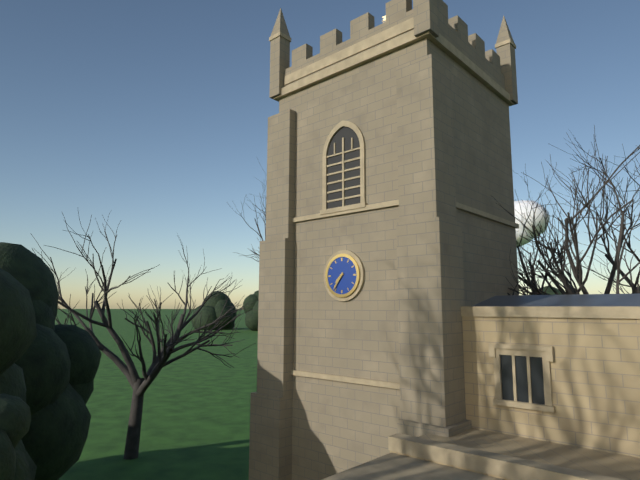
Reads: 7,36
